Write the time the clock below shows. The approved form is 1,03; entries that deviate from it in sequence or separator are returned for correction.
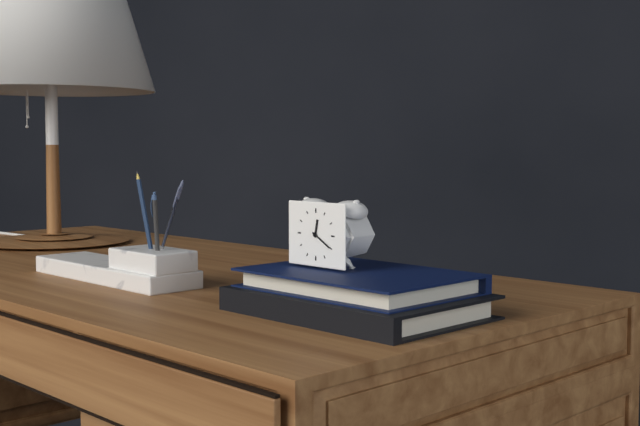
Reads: 12,20
